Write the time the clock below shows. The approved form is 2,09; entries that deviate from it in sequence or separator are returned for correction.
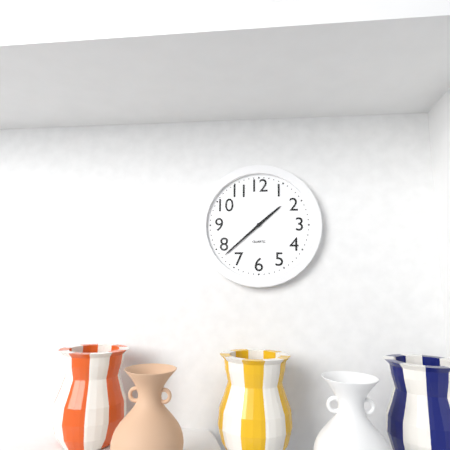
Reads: 1,38
